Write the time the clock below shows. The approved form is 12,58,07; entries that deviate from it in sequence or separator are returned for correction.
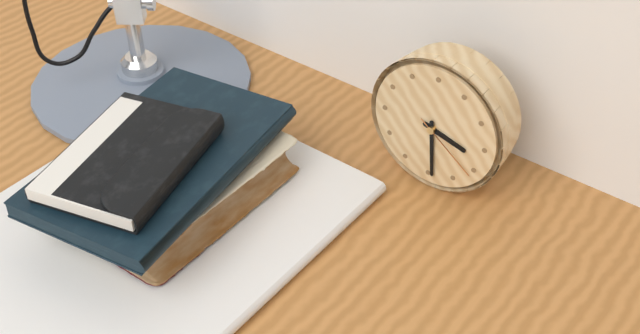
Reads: 3,29,21
